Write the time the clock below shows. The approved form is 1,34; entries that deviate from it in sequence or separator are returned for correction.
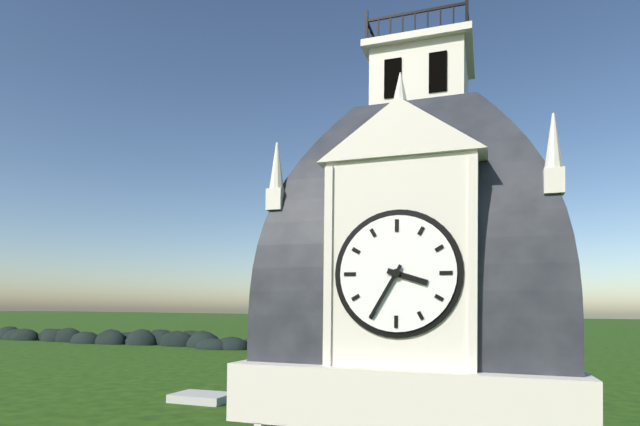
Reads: 3,35
